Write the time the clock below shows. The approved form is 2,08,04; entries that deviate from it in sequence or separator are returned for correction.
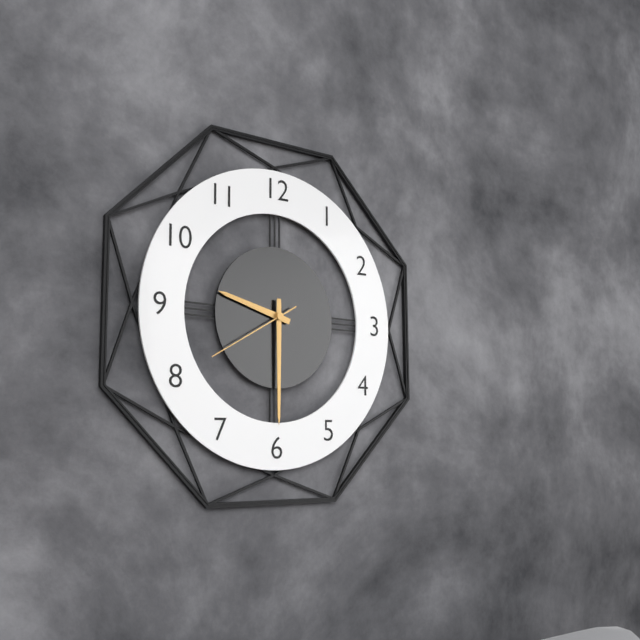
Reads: 9,30,40
